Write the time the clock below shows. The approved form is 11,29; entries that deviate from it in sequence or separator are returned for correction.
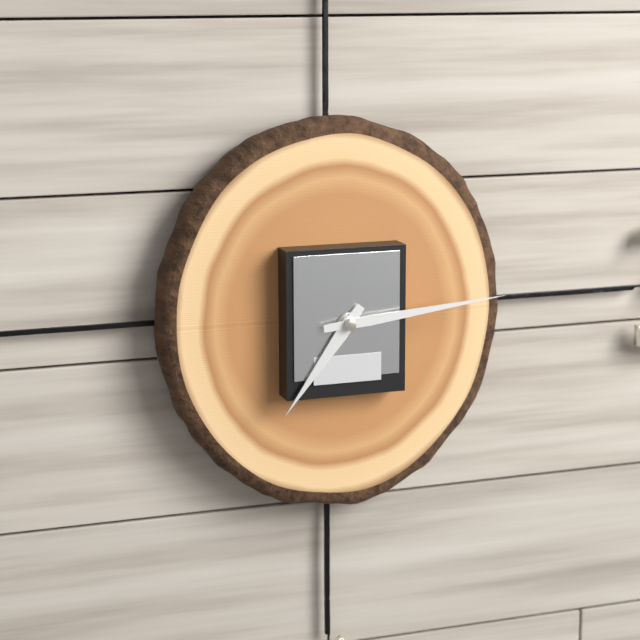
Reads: 7,14
